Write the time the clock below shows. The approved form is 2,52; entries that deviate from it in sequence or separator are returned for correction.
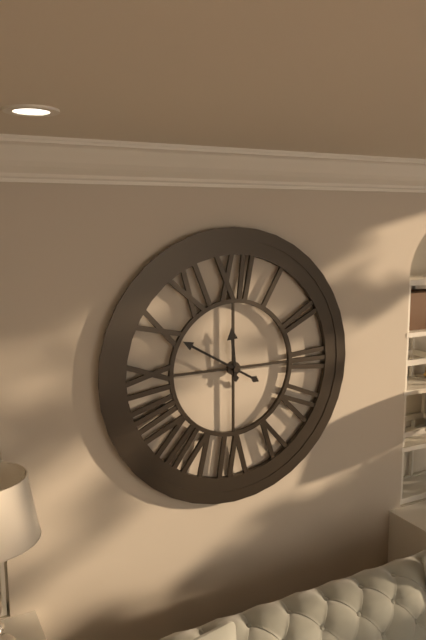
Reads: 11,50
